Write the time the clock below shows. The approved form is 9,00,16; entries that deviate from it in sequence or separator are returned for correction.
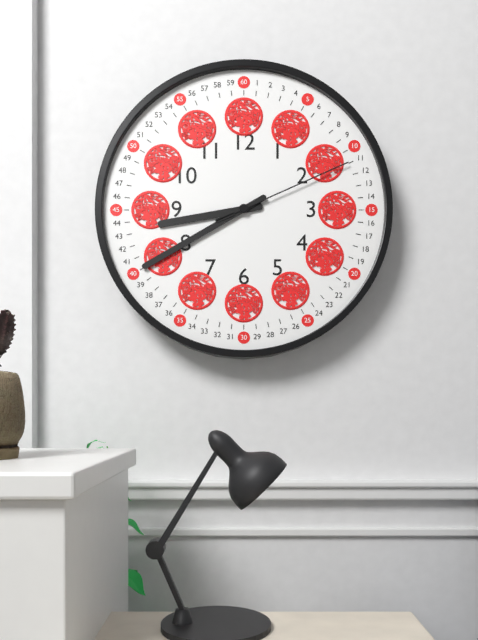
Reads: 8,40,11
